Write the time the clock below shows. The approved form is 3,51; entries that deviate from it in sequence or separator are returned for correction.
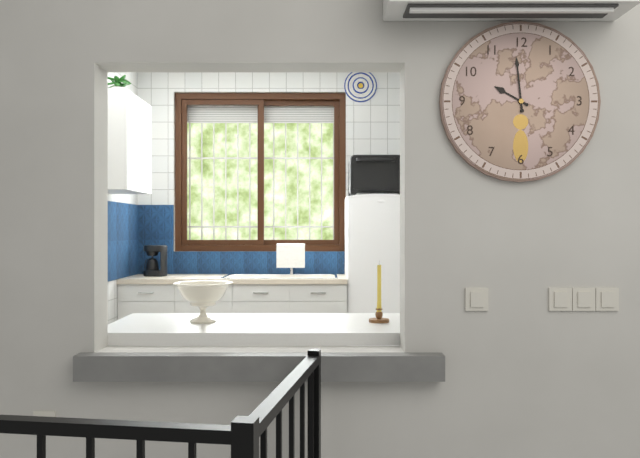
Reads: 9,59
